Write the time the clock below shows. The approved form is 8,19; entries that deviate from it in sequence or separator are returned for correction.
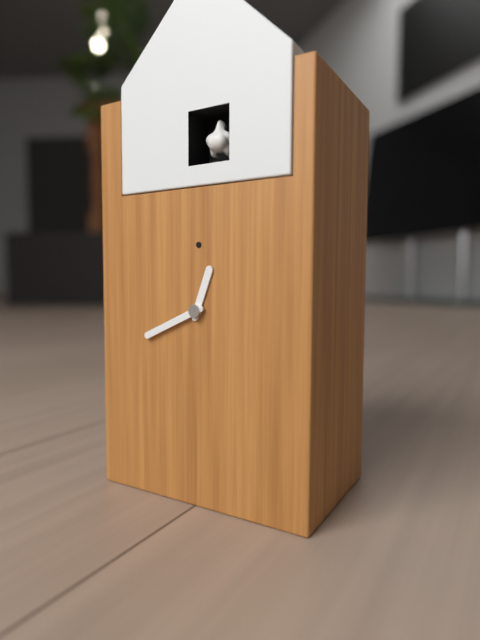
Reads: 12,41
